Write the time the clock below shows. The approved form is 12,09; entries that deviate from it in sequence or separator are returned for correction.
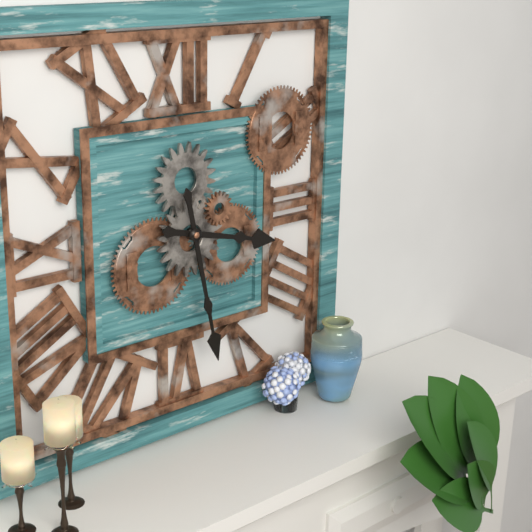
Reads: 3,28
